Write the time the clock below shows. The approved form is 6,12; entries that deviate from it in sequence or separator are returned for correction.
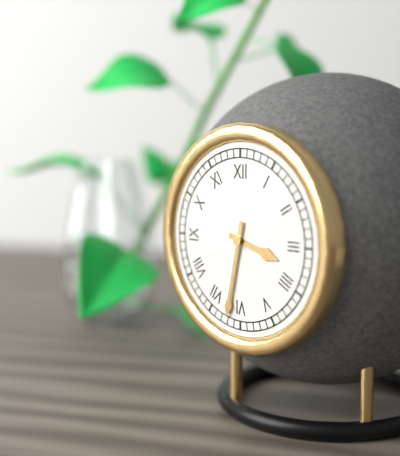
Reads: 3,32
